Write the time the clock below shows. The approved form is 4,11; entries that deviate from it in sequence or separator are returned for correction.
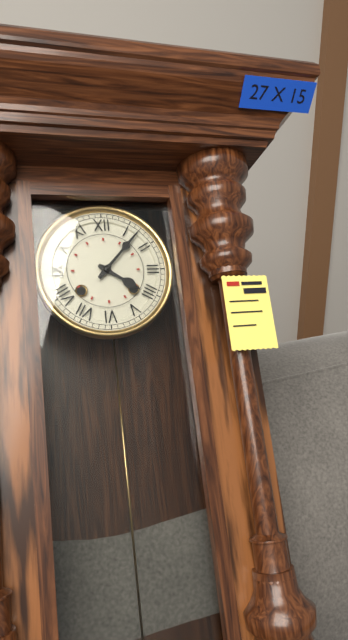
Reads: 4,07
